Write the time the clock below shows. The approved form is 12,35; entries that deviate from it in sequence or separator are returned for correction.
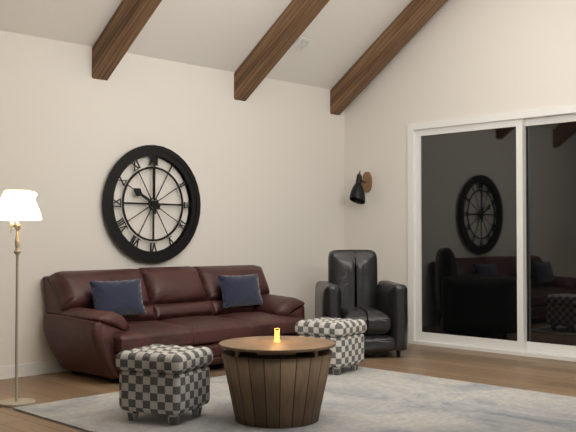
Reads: 10,00
